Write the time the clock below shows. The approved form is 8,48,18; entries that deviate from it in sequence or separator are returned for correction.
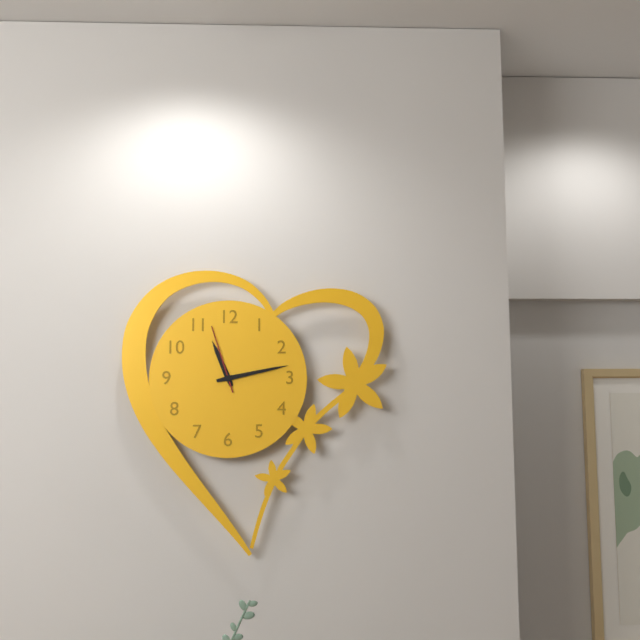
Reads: 11,13,57
